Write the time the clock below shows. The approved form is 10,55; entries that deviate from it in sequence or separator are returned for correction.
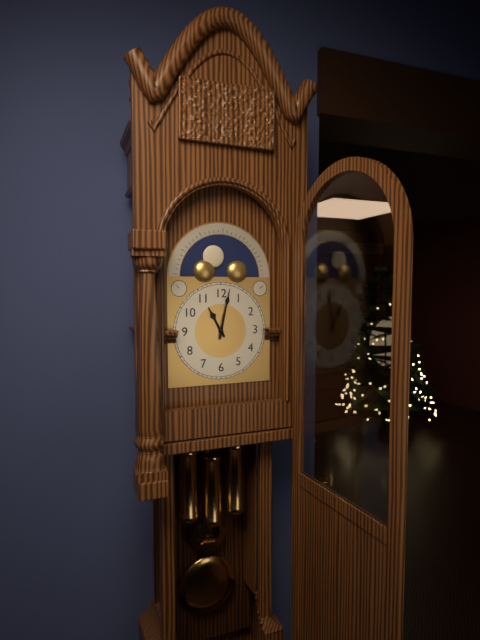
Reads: 11,02
